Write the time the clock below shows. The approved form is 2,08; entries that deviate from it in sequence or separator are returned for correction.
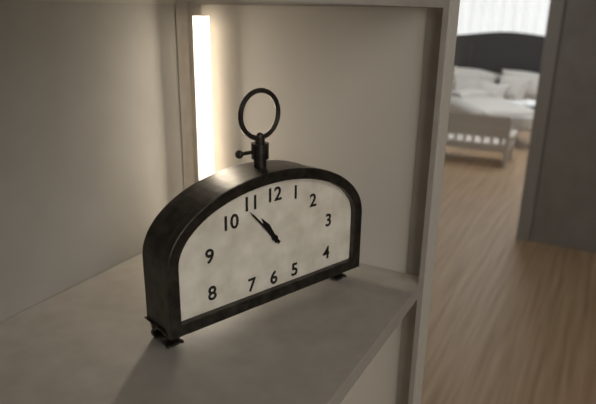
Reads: 10,53
